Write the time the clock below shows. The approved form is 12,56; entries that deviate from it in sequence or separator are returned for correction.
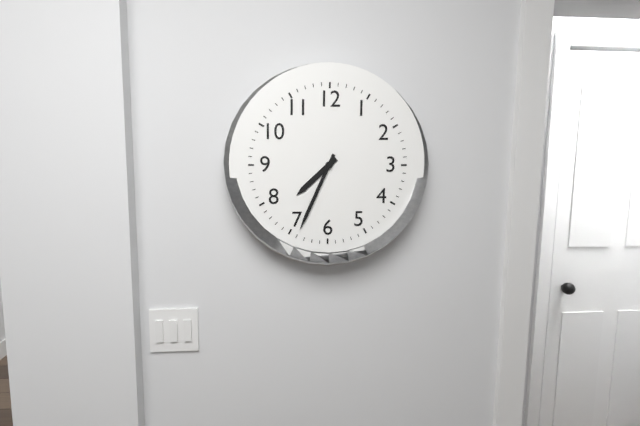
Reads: 7,34
